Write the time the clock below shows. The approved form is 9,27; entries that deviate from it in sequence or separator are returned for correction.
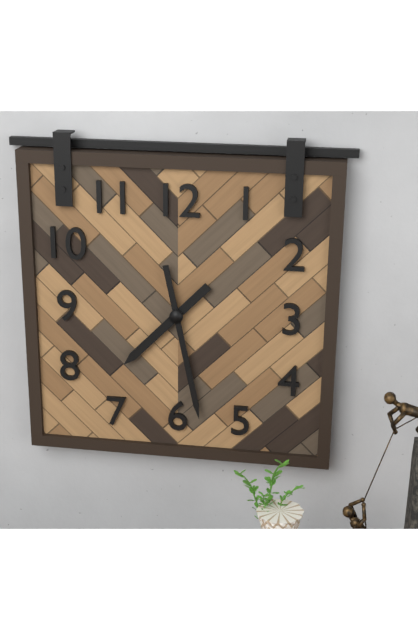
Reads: 7,28
